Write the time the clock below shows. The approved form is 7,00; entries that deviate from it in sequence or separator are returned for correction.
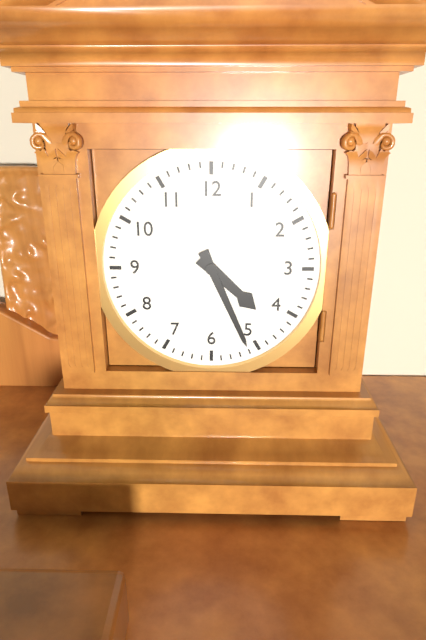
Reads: 4,26
